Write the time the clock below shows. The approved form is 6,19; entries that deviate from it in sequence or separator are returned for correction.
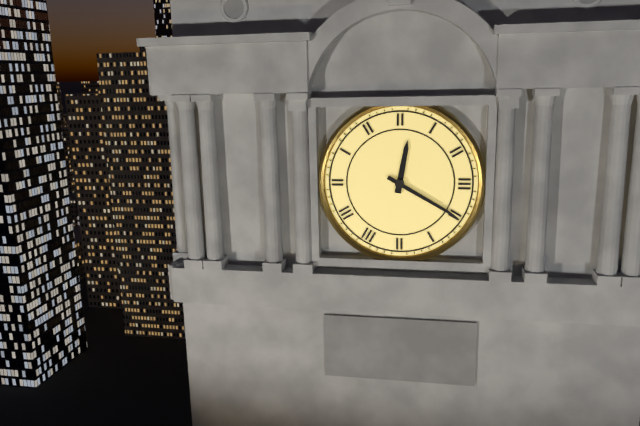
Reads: 12,20
